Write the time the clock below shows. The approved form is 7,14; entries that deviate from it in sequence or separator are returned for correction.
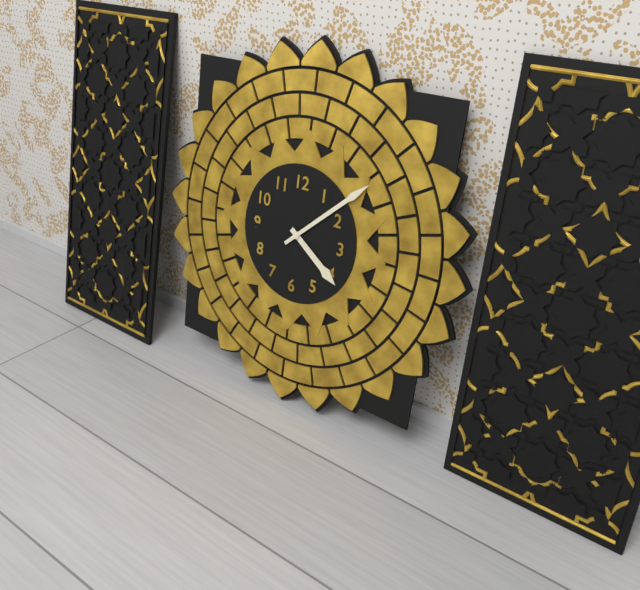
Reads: 4,08
